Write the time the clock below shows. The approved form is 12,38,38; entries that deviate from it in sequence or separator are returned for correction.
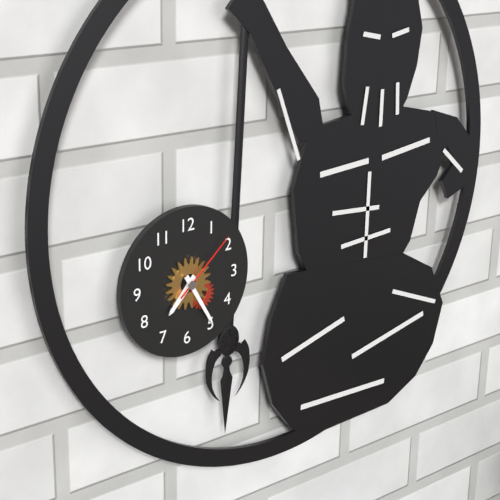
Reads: 7,25,08
